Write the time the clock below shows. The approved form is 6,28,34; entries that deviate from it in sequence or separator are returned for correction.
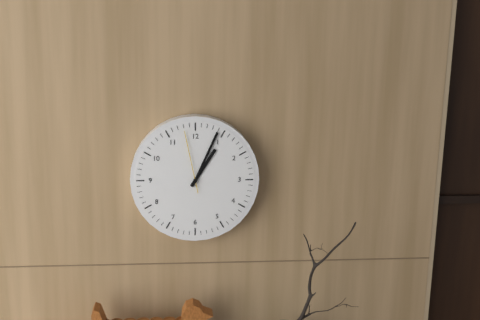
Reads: 1,04,58
